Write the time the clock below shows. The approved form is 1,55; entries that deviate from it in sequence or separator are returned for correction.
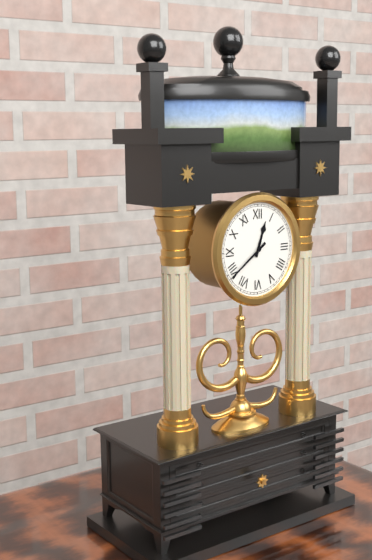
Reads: 12,39
